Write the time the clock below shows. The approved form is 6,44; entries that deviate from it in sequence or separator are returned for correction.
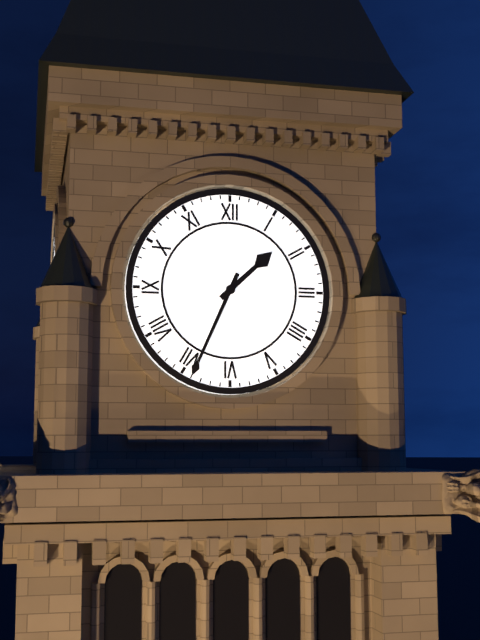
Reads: 1,34
